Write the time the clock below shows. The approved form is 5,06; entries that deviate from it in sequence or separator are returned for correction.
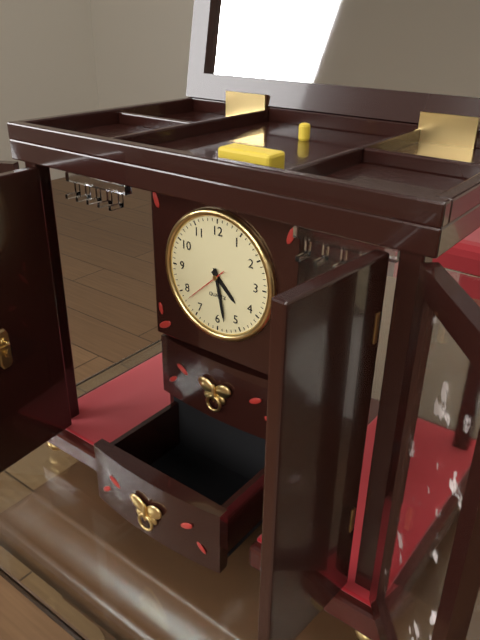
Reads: 4,28
